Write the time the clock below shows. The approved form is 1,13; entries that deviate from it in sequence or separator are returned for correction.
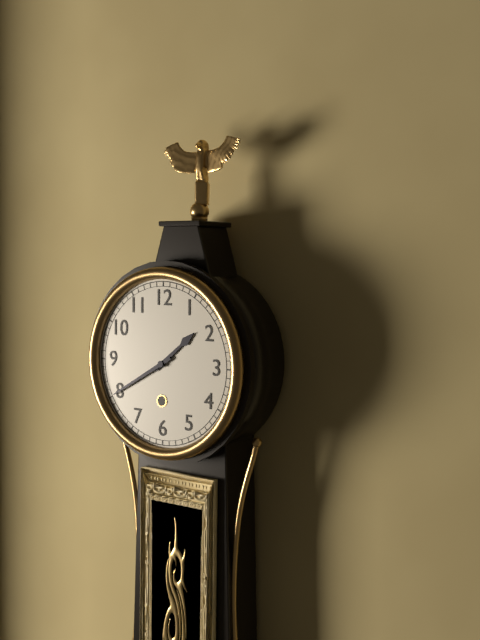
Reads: 1,40
